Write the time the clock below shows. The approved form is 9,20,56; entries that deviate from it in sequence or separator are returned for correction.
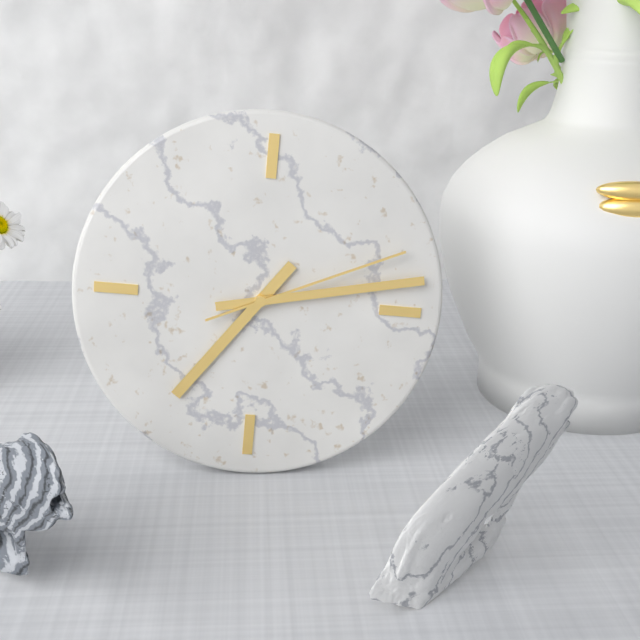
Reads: 7,13,11
